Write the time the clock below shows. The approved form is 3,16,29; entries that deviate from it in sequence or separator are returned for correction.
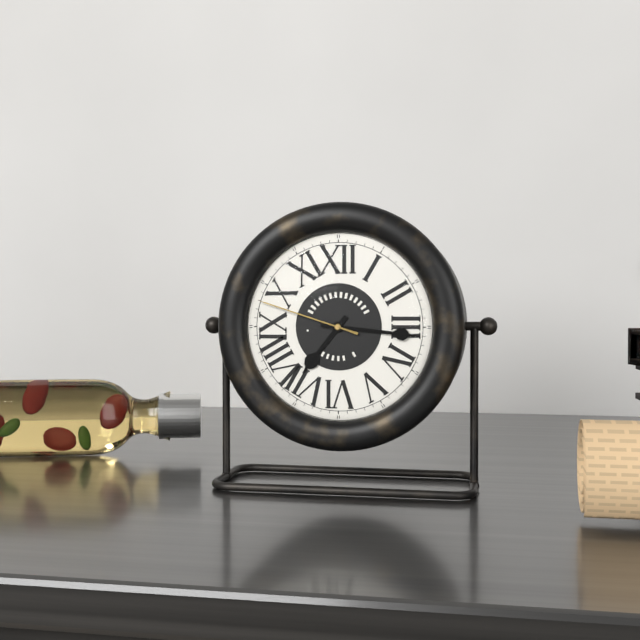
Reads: 7,16,48
